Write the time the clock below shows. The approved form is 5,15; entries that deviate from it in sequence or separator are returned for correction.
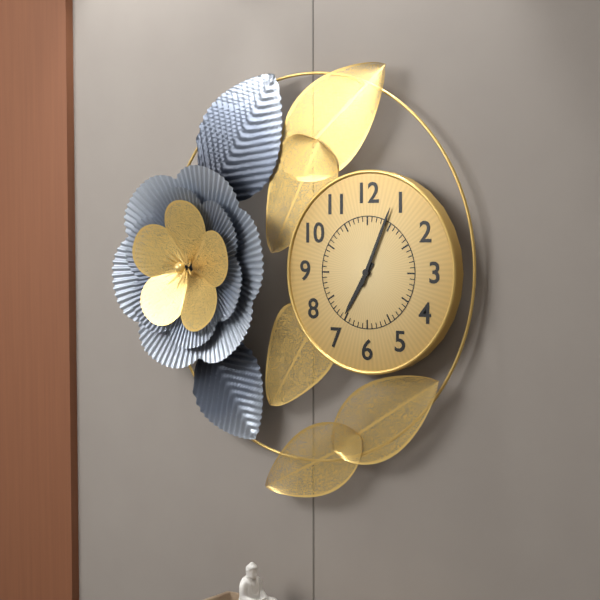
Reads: 7,04
